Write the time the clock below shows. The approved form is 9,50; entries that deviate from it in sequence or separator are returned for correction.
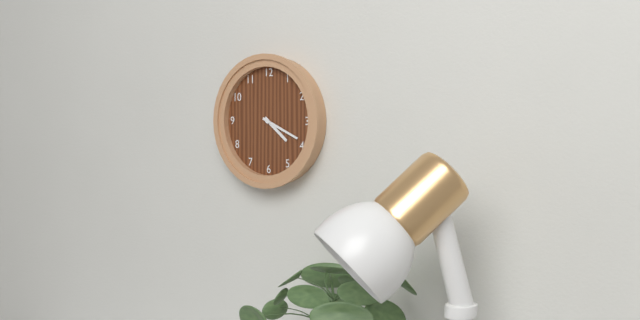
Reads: 4,19
